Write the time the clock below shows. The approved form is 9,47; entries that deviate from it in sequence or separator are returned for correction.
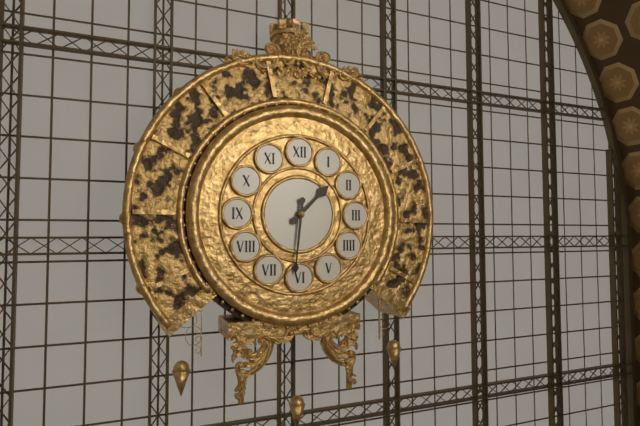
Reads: 1,31
